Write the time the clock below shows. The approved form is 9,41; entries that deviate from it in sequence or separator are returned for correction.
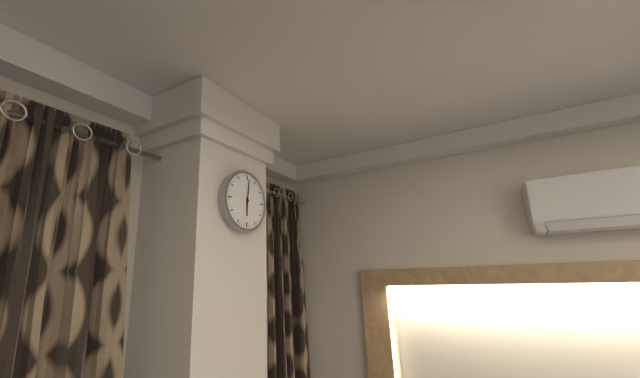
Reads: 6,01
